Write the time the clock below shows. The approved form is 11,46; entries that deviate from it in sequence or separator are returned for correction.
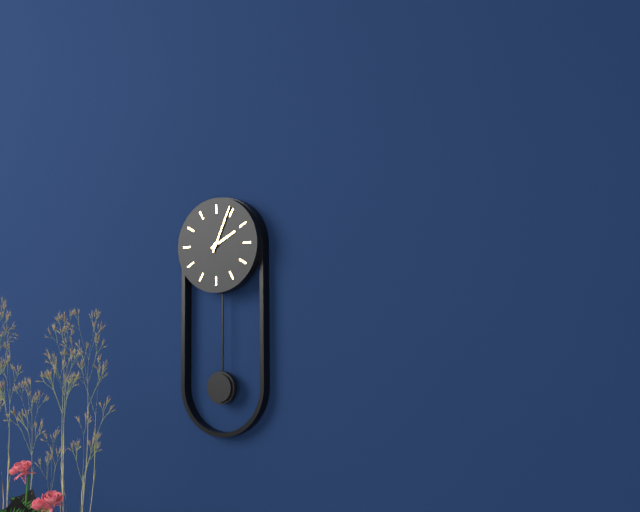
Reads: 2,04
